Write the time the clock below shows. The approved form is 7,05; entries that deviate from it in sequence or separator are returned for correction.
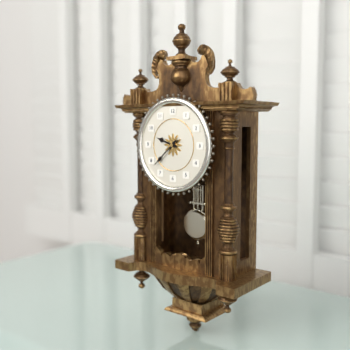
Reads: 9,38
